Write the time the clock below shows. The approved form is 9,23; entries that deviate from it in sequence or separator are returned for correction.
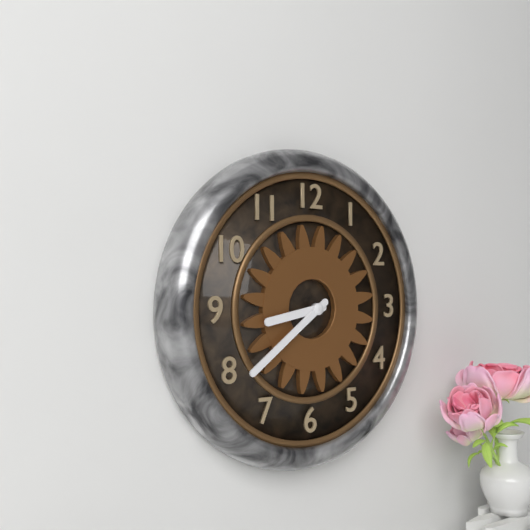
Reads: 8,39
